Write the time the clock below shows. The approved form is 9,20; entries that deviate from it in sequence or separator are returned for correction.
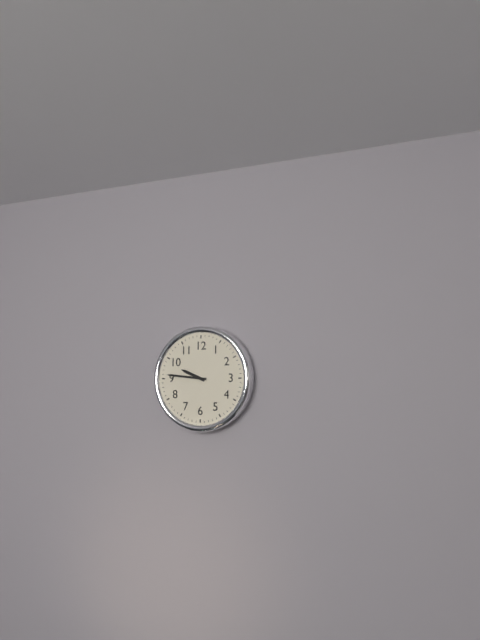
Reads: 9,46
